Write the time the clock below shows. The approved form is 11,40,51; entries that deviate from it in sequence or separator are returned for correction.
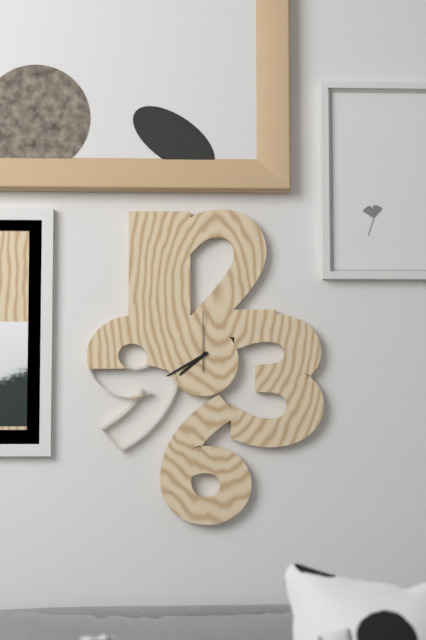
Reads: 7,40,00
